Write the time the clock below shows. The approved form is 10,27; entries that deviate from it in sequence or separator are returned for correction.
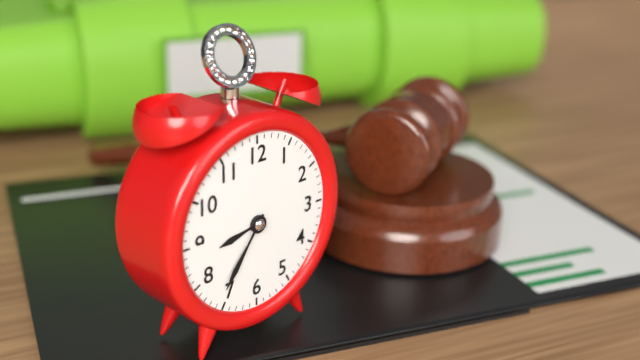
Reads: 8,36
